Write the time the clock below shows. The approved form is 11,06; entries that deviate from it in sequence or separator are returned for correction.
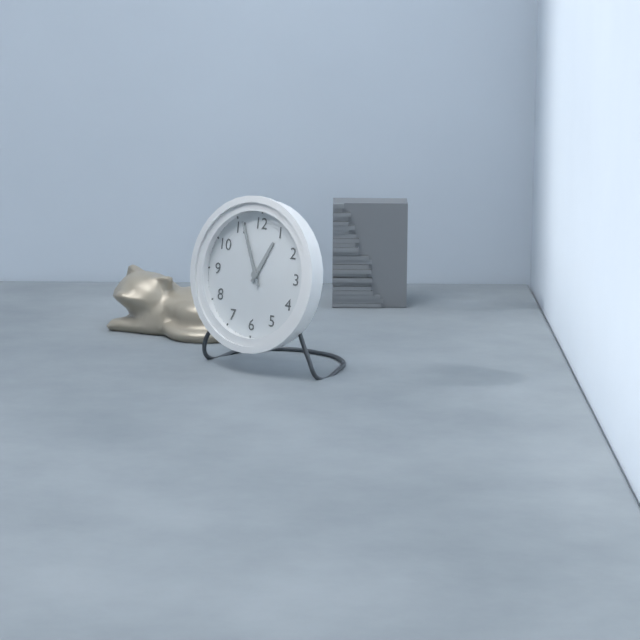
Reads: 12,56
